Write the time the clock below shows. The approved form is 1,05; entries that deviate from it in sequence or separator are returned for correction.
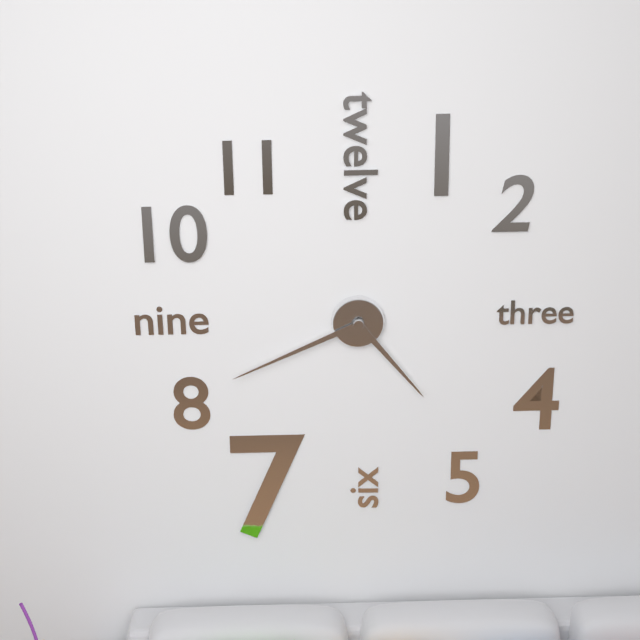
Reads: 4,41
